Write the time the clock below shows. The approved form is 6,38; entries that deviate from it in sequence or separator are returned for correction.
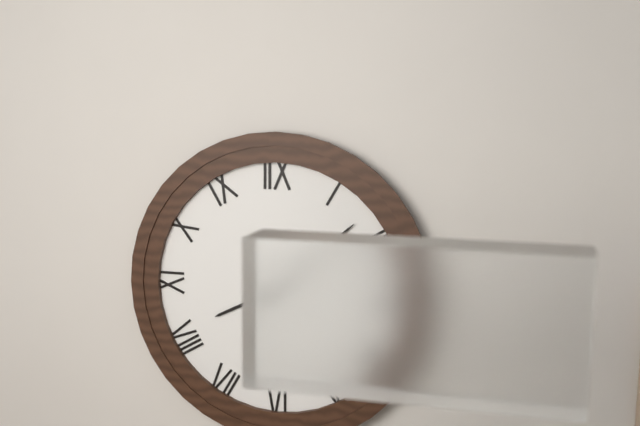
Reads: 8,08
